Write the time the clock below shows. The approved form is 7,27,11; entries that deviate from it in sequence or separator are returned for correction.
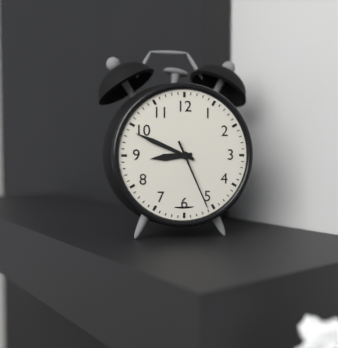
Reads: 8,49,26
